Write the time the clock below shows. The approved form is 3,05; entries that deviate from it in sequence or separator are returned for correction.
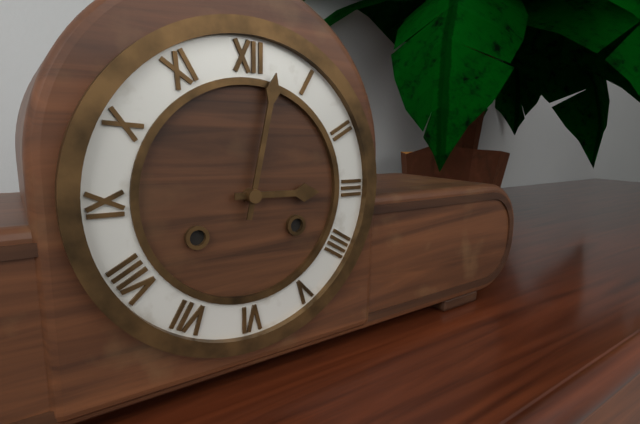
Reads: 3,02
